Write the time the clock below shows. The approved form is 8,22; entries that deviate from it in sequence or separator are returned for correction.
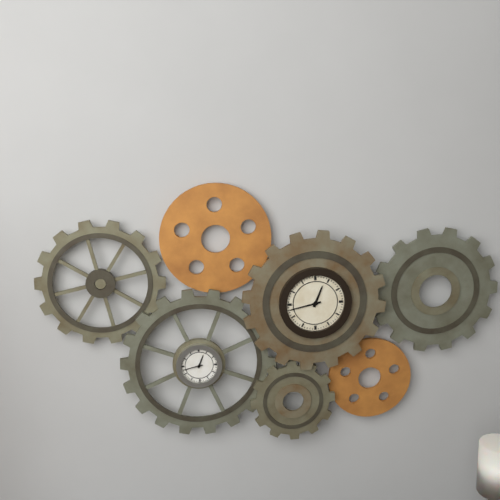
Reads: 12,43
